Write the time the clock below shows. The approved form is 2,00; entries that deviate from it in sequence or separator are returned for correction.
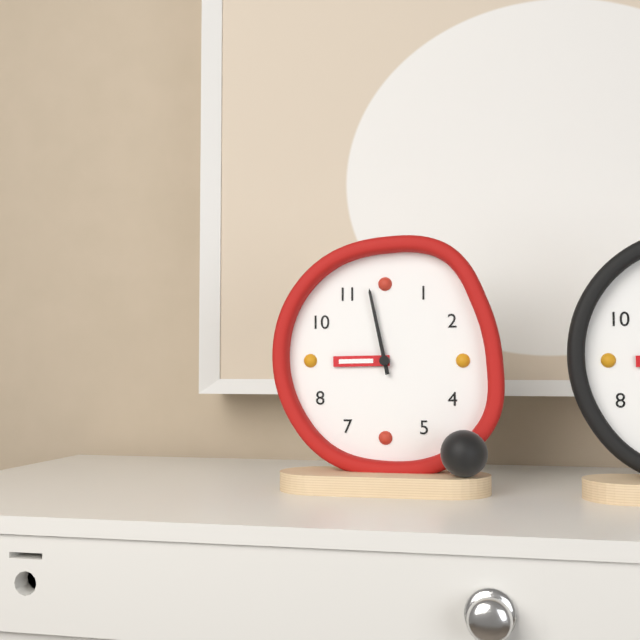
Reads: 8,58
